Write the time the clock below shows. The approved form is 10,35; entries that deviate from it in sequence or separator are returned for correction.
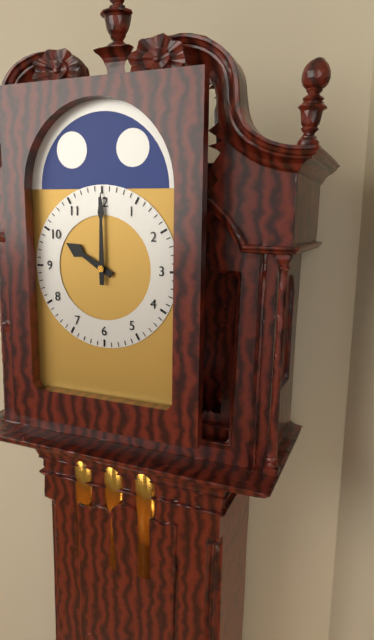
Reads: 10,00
